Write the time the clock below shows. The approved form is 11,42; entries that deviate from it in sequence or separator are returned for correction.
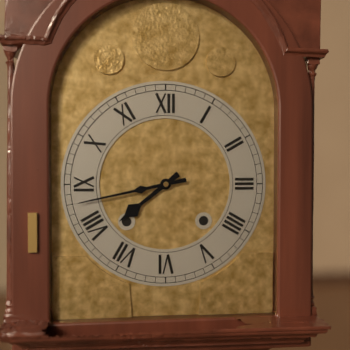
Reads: 7,43
